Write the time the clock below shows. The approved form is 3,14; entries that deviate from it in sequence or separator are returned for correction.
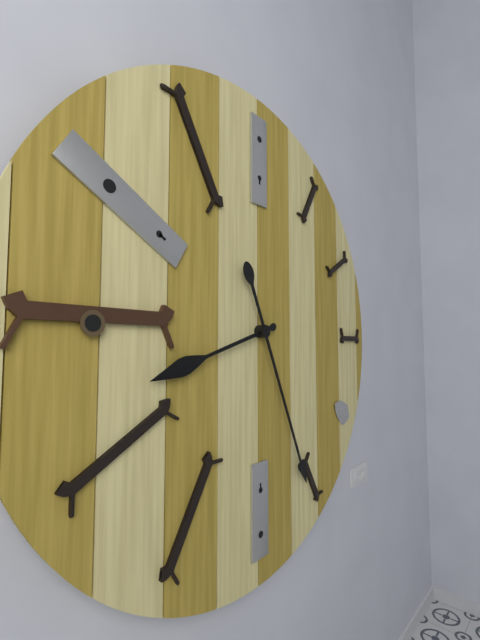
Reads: 8,26
